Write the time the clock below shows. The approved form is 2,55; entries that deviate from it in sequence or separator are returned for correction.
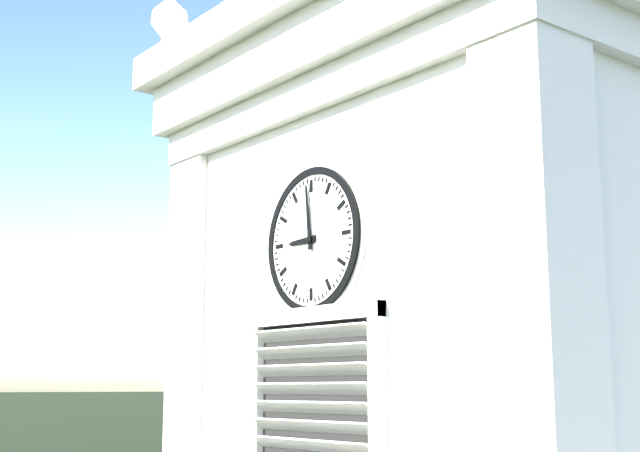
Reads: 8,59
